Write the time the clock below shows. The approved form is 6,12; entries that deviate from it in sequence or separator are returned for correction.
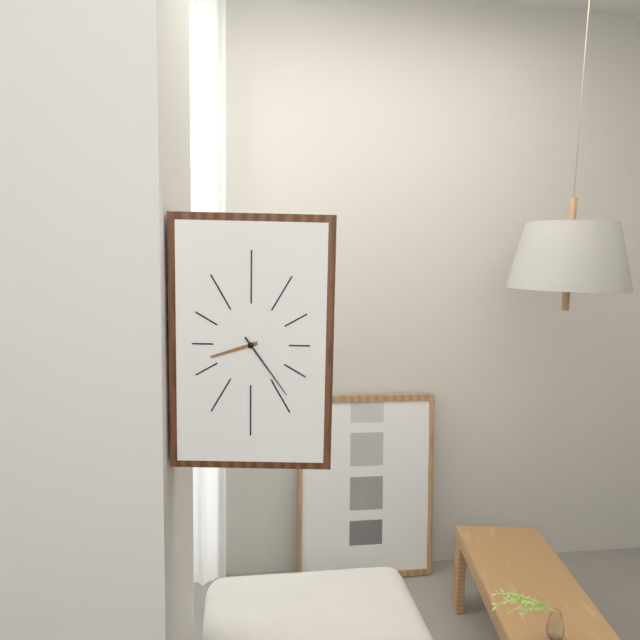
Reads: 8,24
